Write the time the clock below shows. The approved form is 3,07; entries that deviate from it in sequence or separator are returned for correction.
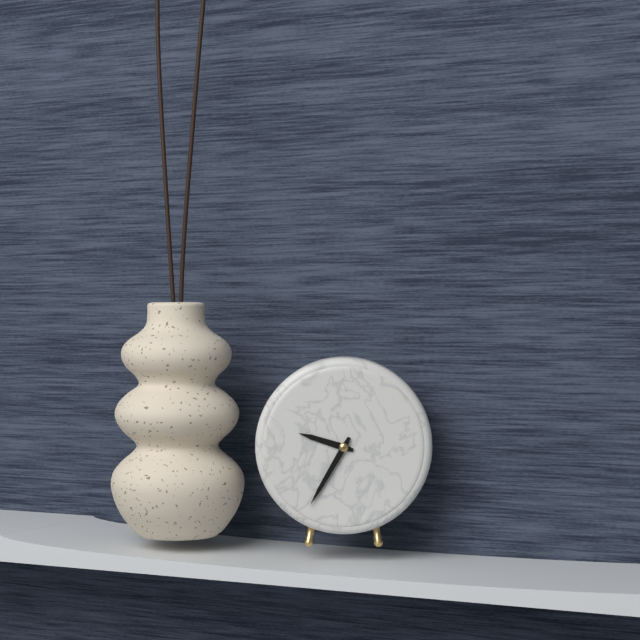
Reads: 9,35
